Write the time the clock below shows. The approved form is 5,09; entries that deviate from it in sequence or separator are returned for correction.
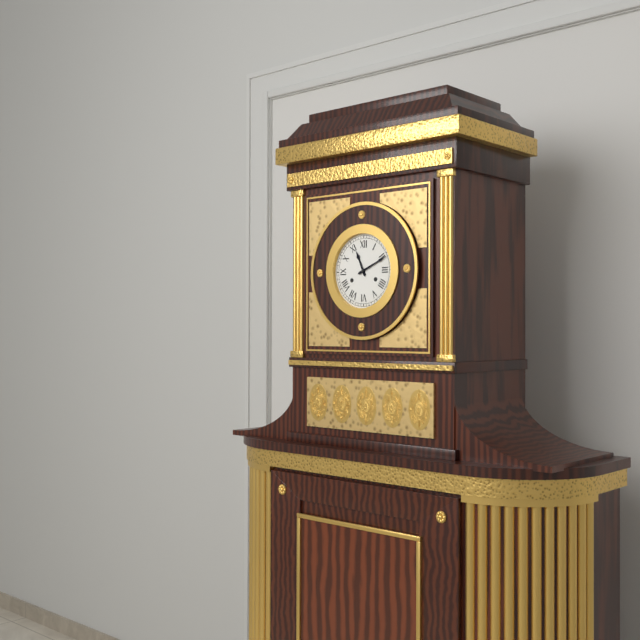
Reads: 11,11
